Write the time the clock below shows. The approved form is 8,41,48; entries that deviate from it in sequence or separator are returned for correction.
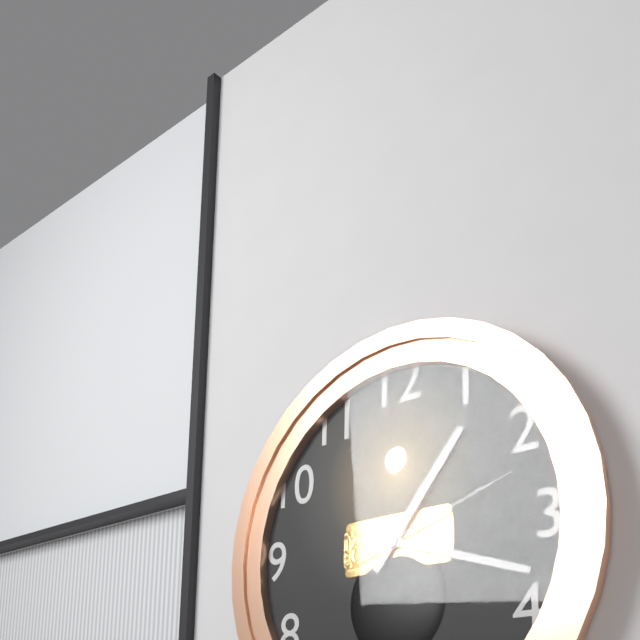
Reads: 1,18,12
